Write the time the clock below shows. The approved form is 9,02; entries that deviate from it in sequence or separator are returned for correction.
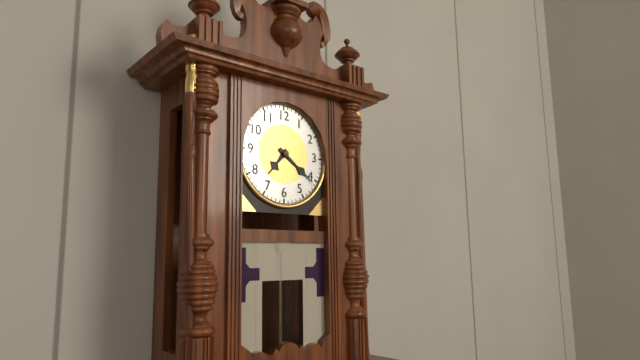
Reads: 7,21
